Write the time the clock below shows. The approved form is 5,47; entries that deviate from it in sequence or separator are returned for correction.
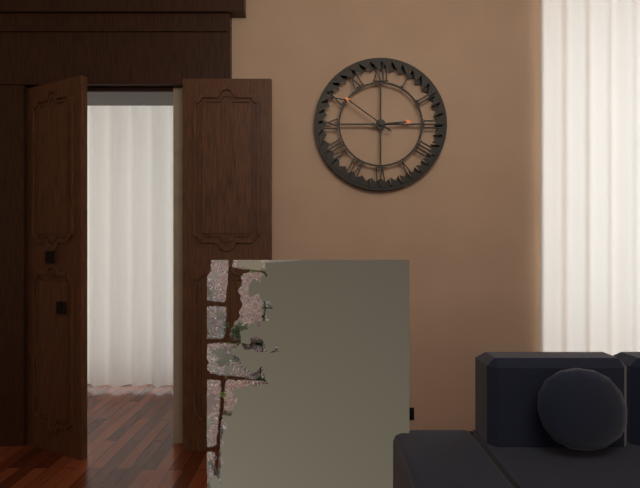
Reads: 2,51
